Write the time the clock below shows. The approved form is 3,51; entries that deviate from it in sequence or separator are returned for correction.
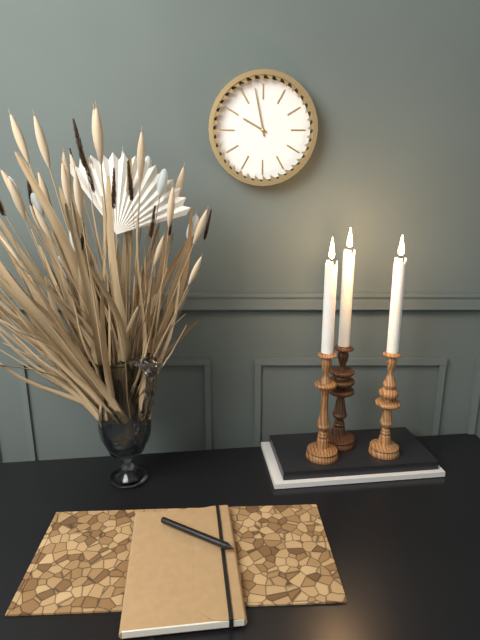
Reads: 9,58
